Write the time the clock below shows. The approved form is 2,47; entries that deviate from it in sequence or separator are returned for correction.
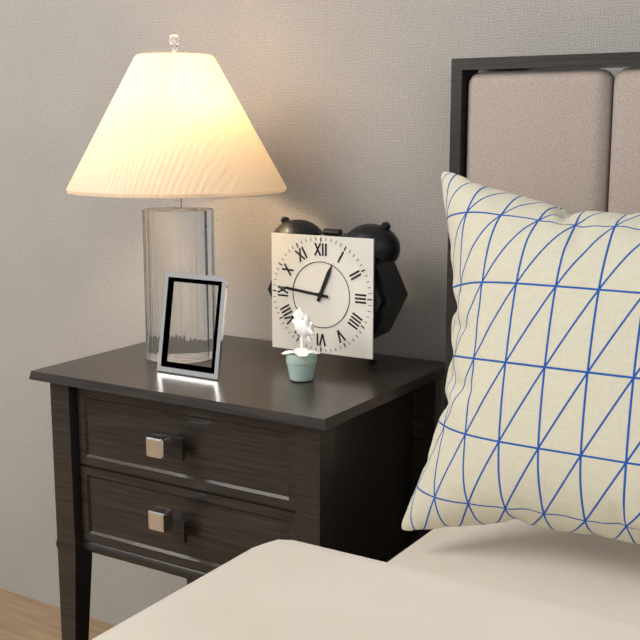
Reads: 12,46
